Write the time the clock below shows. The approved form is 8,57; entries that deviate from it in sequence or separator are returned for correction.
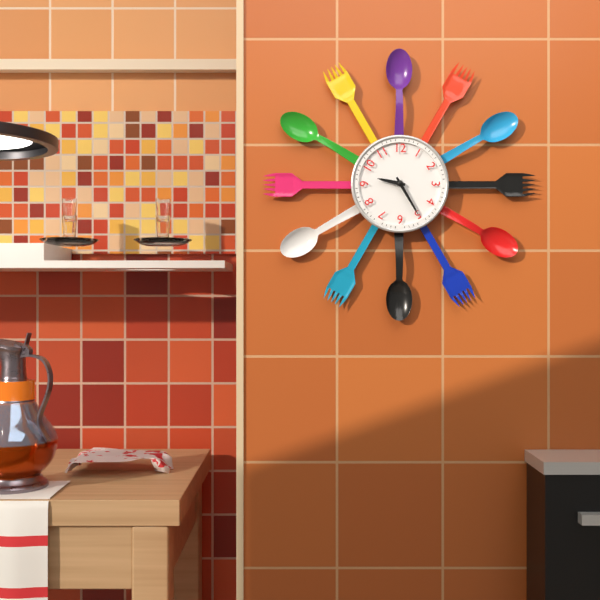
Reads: 9,25
